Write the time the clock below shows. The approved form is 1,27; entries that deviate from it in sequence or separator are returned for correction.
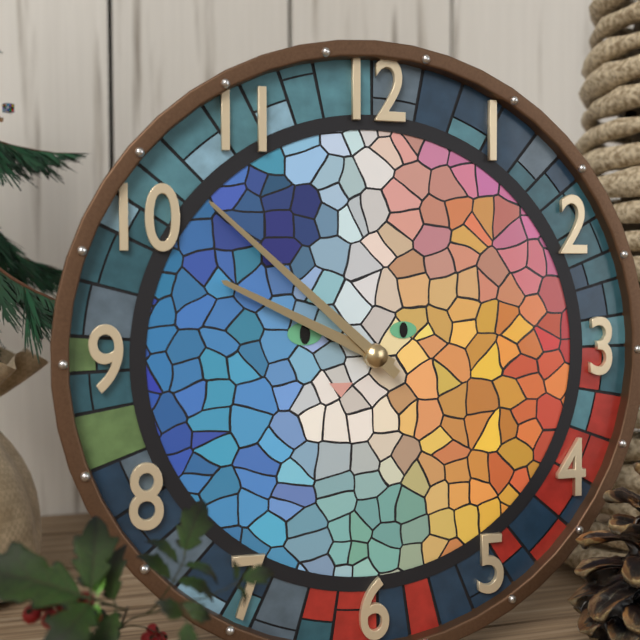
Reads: 9,52
